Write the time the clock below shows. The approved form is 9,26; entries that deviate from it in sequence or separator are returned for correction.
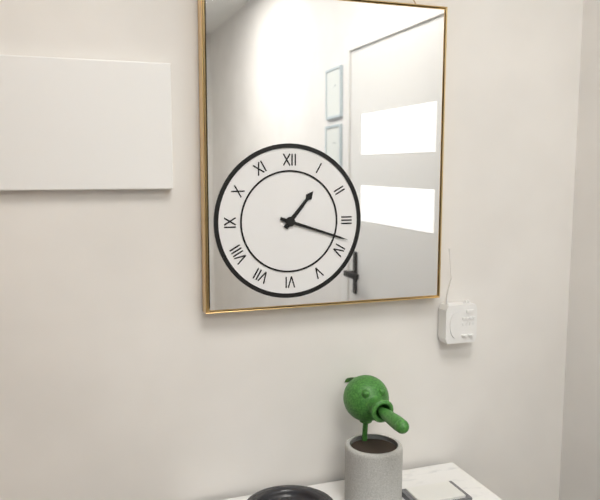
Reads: 1,18
